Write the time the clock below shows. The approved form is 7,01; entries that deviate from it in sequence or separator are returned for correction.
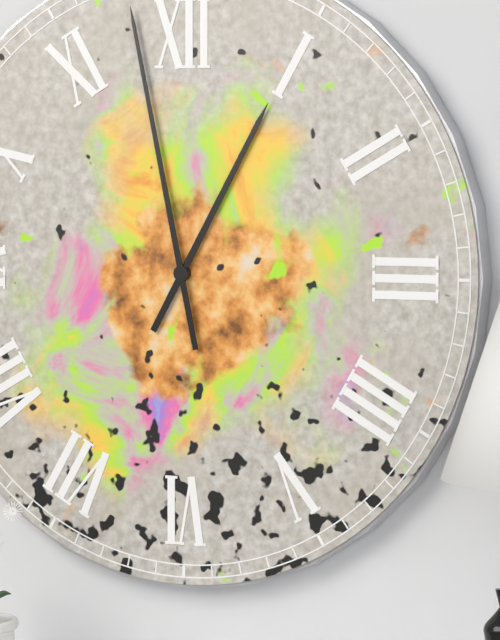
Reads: 12,58
